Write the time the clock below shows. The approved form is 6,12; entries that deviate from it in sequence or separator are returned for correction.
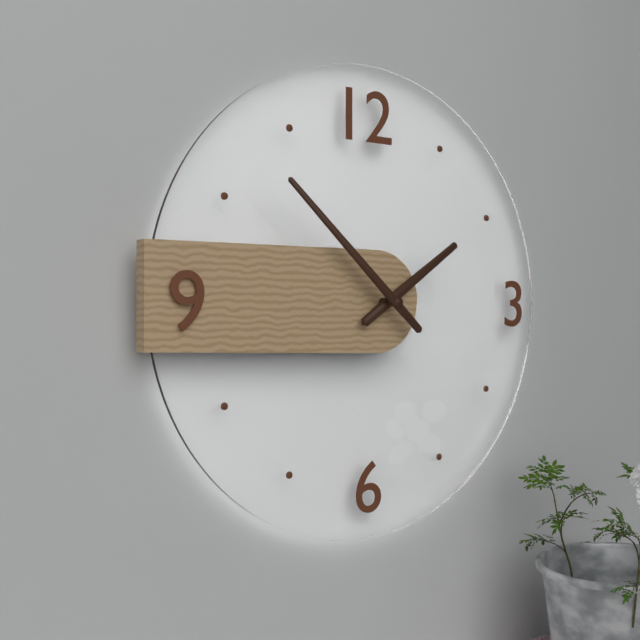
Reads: 1,52
